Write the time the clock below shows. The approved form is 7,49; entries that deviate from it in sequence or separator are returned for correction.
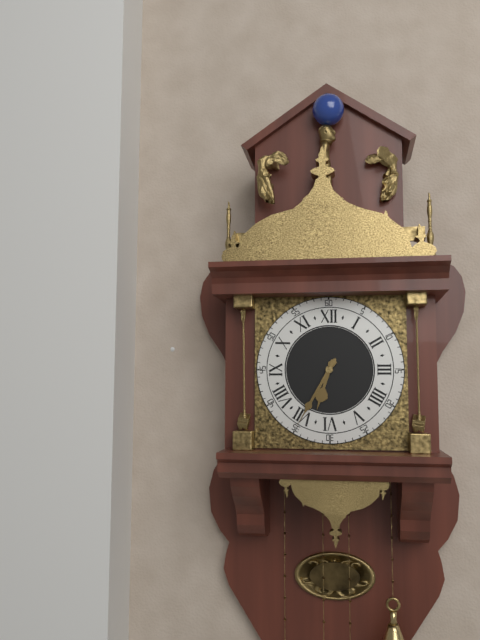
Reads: 6,35
